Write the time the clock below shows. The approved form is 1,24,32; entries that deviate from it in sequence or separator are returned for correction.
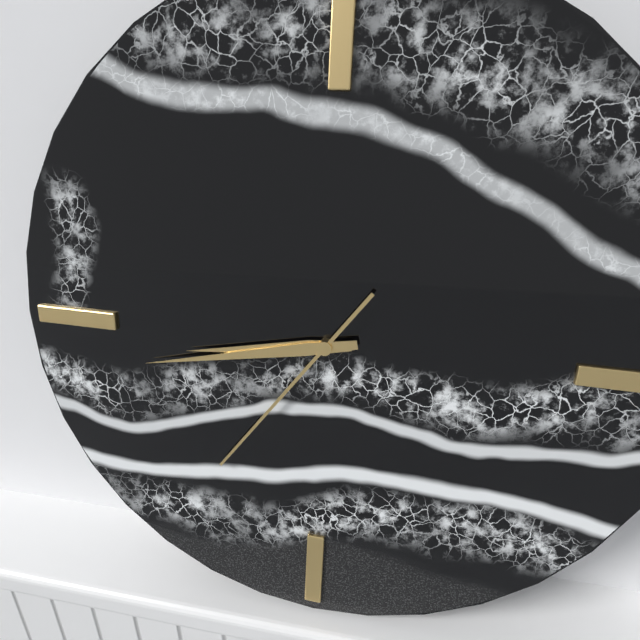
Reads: 8,43,36
